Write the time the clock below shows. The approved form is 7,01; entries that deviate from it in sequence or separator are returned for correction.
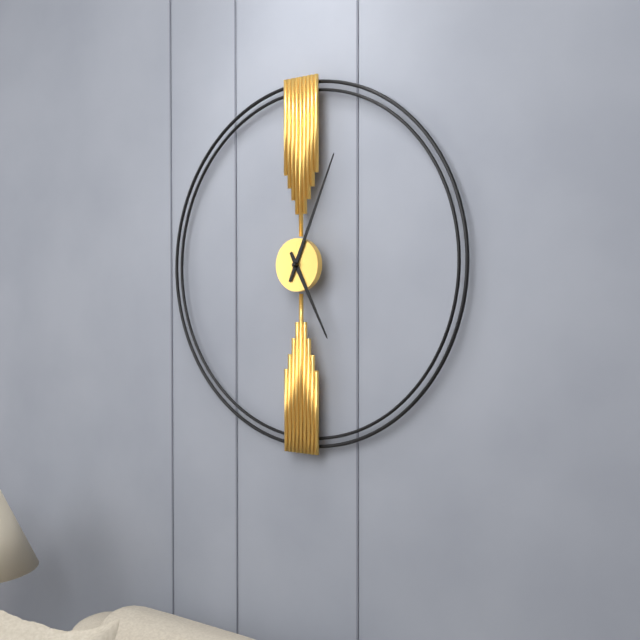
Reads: 5,04
